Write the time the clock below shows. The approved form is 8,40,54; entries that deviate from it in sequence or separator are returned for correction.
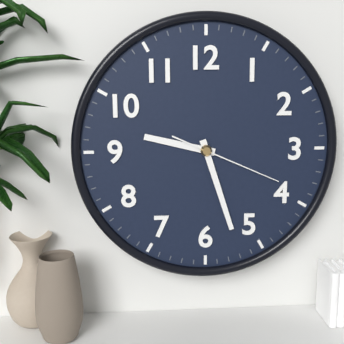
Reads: 9,27,19
